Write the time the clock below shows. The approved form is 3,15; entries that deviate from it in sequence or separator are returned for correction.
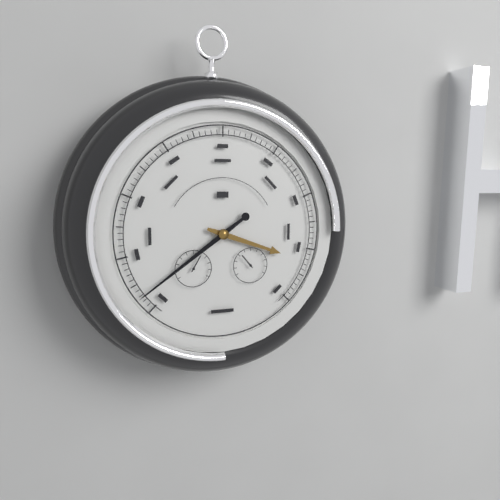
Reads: 3,39
